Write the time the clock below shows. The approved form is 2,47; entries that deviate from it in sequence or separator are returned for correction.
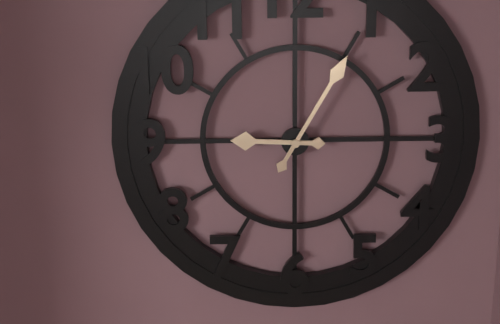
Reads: 9,05
